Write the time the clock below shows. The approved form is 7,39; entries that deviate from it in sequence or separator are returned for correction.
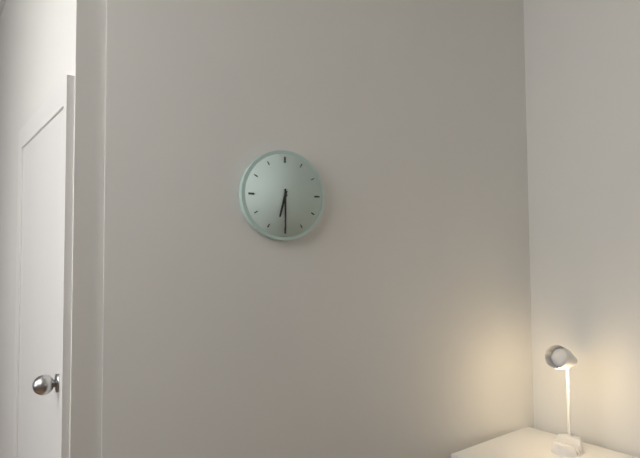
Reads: 6,30
